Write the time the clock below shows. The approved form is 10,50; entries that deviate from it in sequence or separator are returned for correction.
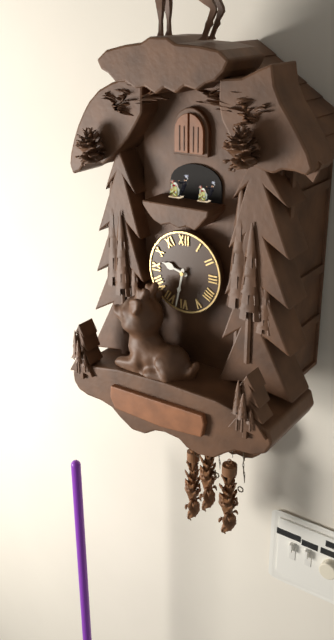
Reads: 9,32
